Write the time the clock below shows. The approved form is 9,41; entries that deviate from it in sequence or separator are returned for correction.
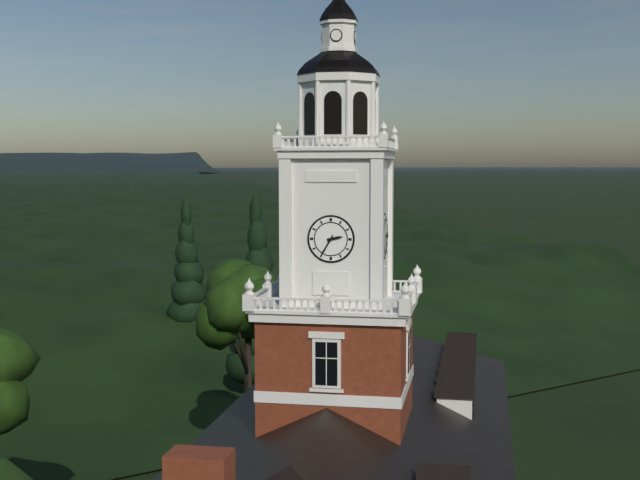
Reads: 2,35
